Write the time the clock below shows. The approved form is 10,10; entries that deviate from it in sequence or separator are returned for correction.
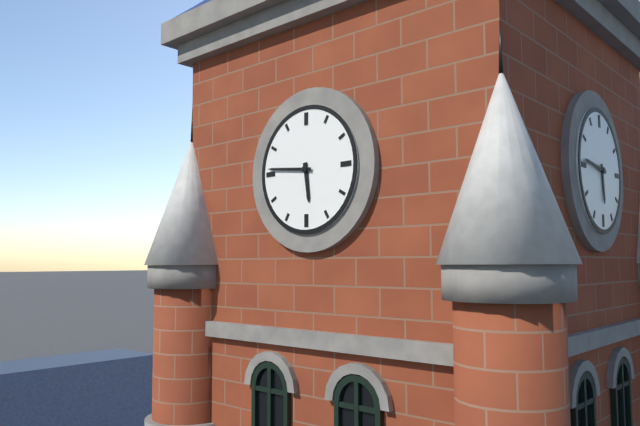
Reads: 5,46
